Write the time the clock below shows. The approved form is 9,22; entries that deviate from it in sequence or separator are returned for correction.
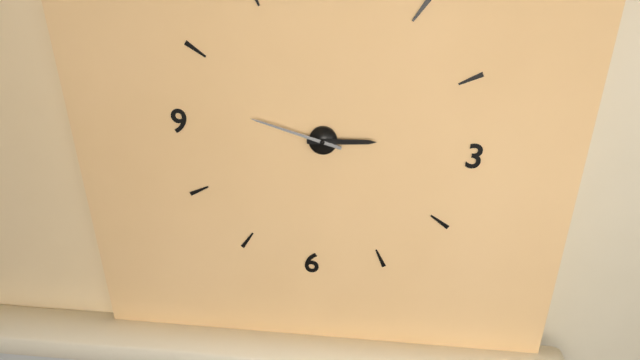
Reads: 2,47
